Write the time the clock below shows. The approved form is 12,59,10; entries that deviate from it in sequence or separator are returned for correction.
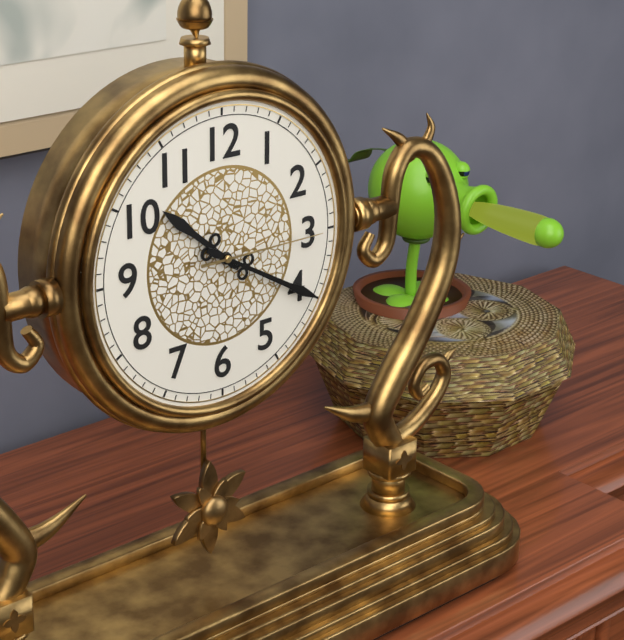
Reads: 10,20,15
